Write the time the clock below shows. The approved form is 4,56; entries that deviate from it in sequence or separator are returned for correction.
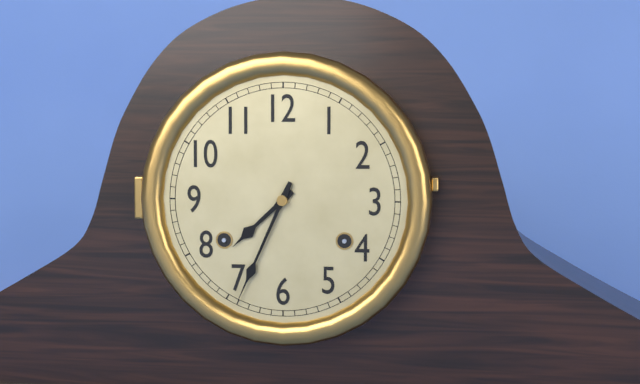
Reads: 7,34
